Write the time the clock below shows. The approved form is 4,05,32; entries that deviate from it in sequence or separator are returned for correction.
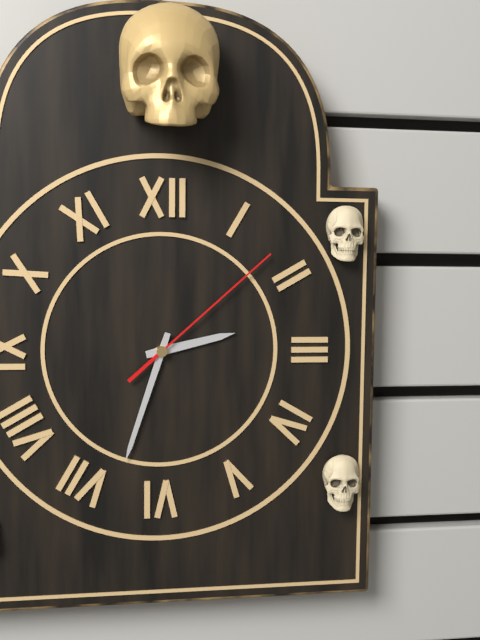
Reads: 2,33,08
